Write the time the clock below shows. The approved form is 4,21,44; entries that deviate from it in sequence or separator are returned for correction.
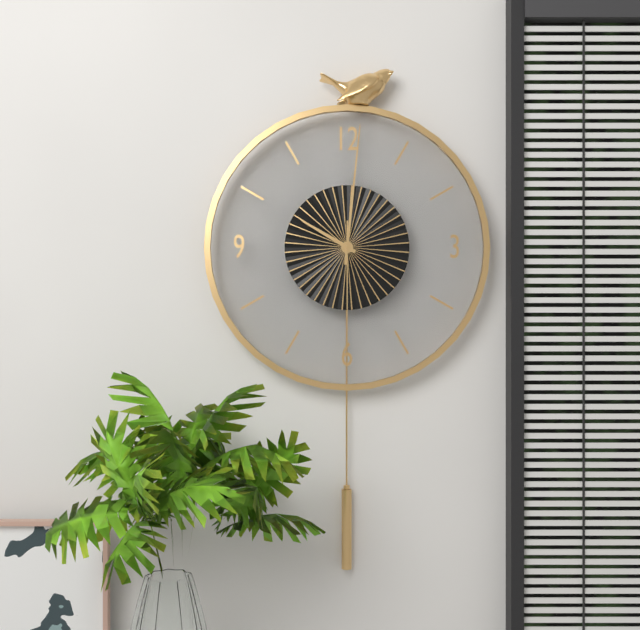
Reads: 10,01,30
